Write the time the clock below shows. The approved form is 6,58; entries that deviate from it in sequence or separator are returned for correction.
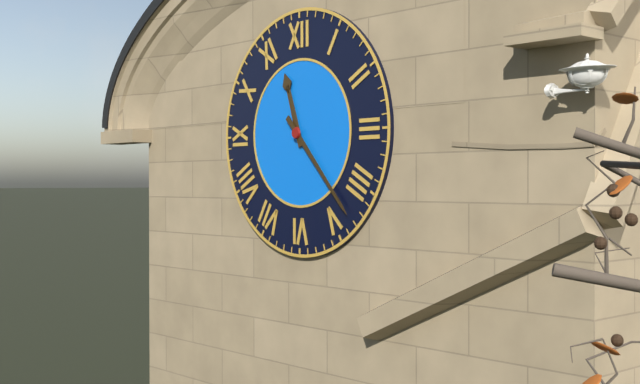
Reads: 11,23
